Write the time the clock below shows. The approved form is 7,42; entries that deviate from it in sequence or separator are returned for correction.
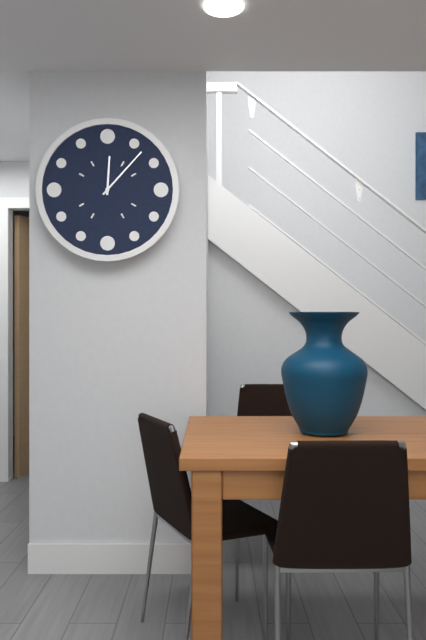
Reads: 12,07
